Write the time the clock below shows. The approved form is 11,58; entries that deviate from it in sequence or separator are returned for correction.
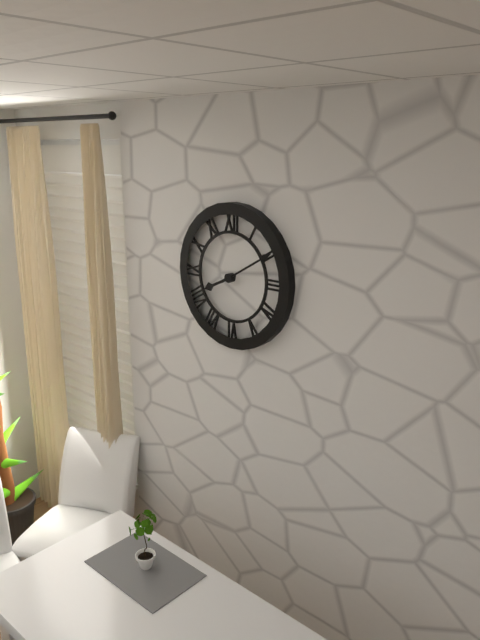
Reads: 8,10
